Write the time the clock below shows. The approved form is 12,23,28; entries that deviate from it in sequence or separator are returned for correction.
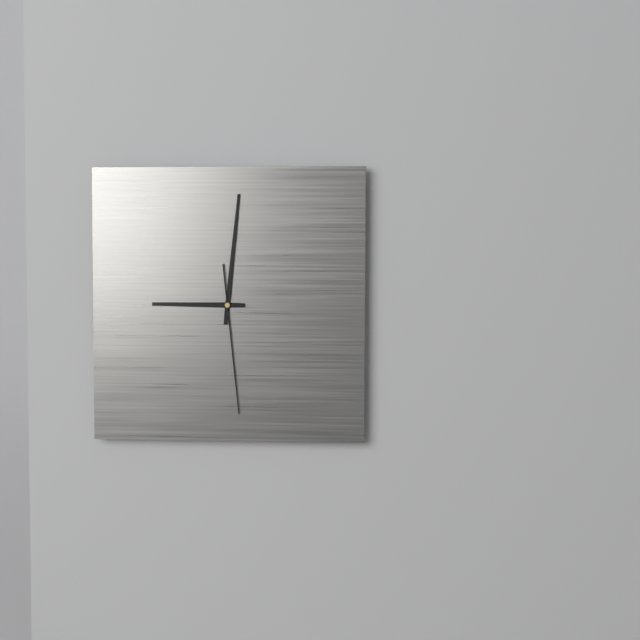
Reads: 9,01,29
